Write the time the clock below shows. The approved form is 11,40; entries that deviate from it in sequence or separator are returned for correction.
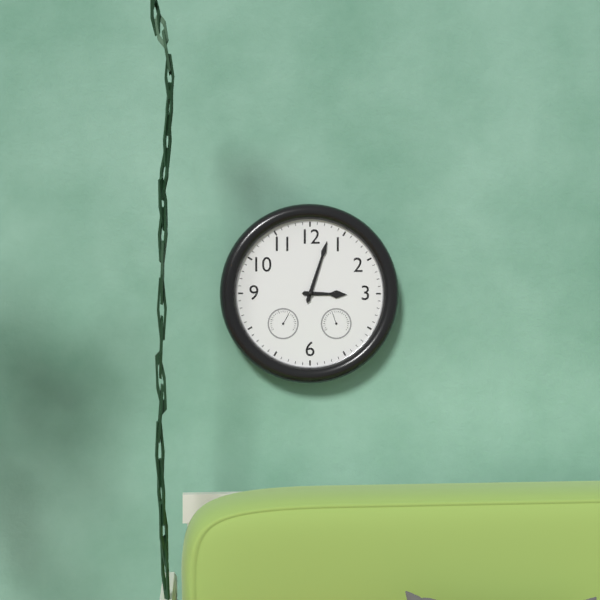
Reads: 3,03
